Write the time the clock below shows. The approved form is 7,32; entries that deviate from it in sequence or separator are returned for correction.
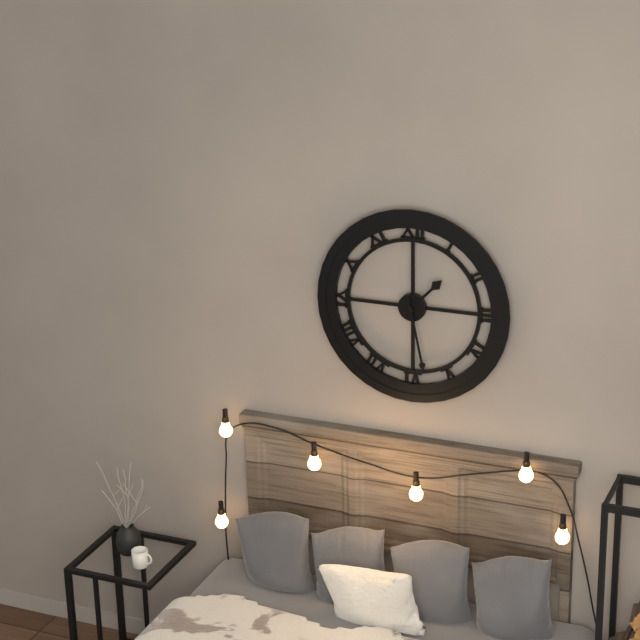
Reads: 1,28
